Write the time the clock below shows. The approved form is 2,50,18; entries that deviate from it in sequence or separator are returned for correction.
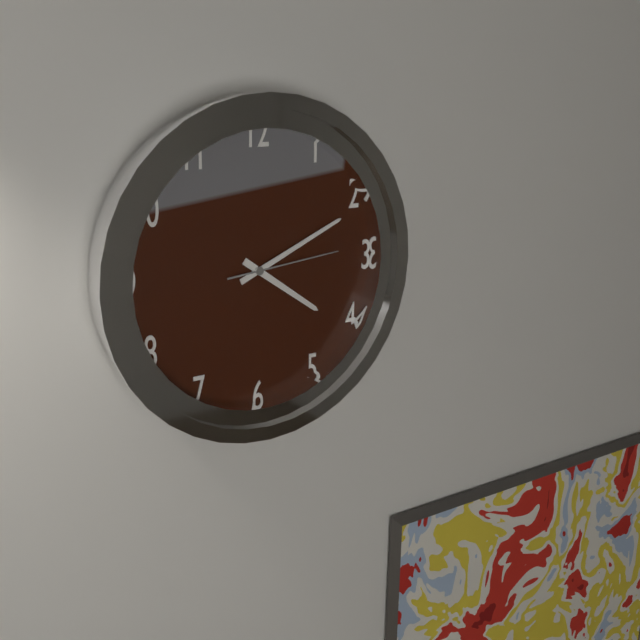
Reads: 4,11,14
